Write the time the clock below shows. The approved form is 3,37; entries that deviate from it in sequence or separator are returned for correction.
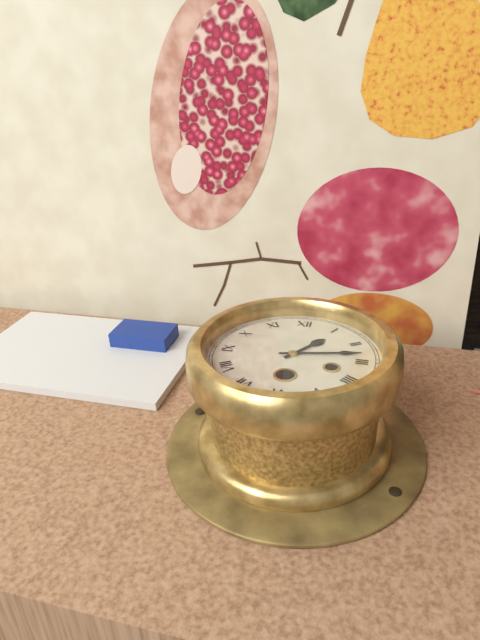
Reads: 1,13
